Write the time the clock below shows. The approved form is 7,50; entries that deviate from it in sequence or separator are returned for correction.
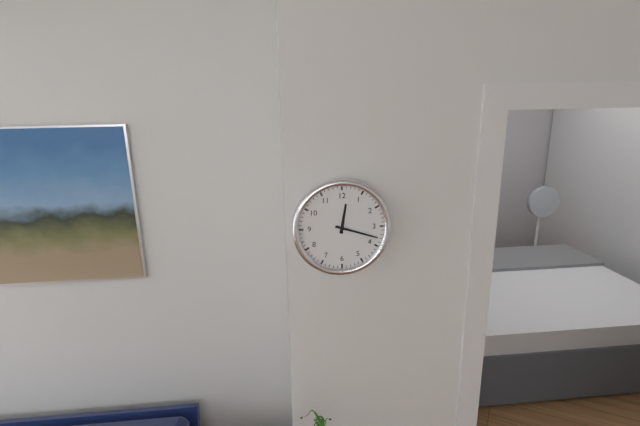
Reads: 12,18
